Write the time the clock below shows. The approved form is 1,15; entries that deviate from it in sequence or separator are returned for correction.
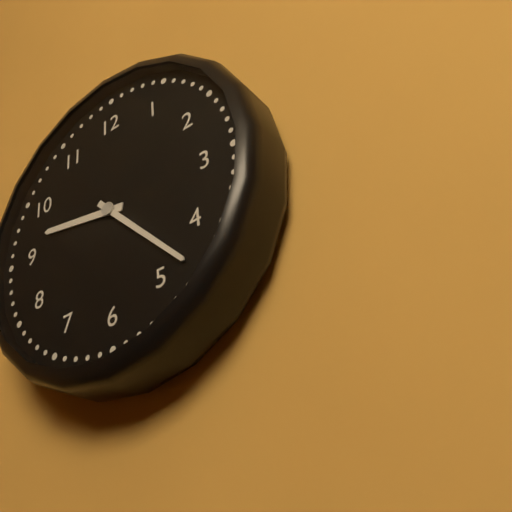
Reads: 9,23
